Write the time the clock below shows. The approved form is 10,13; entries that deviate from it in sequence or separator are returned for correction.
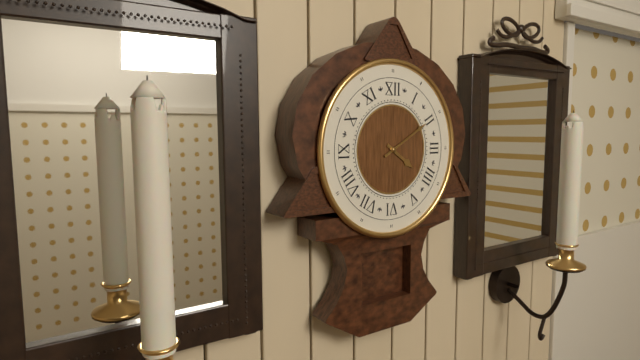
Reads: 4,10
